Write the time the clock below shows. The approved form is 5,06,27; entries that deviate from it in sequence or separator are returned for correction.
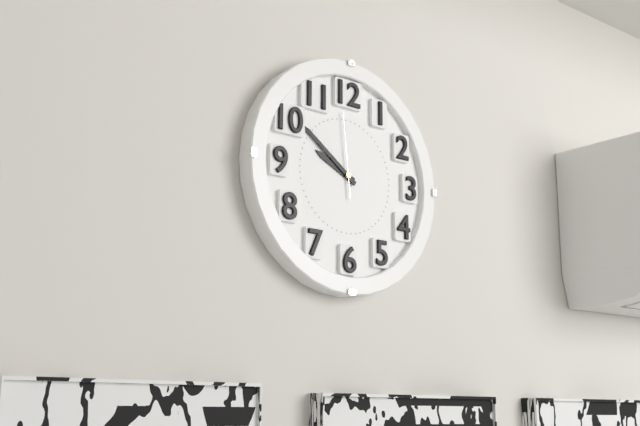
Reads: 9,51,59
